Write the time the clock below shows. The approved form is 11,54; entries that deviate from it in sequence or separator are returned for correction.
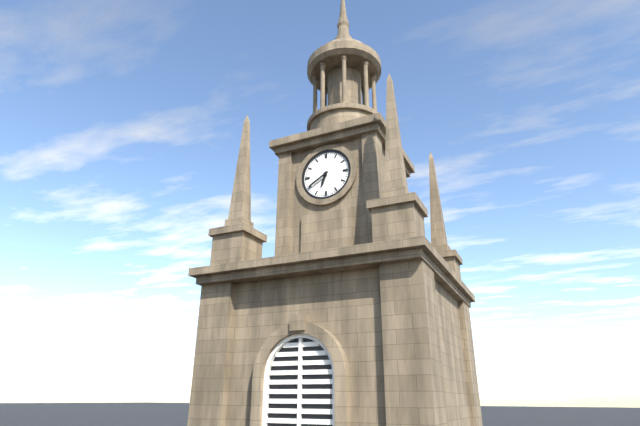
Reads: 6,40
